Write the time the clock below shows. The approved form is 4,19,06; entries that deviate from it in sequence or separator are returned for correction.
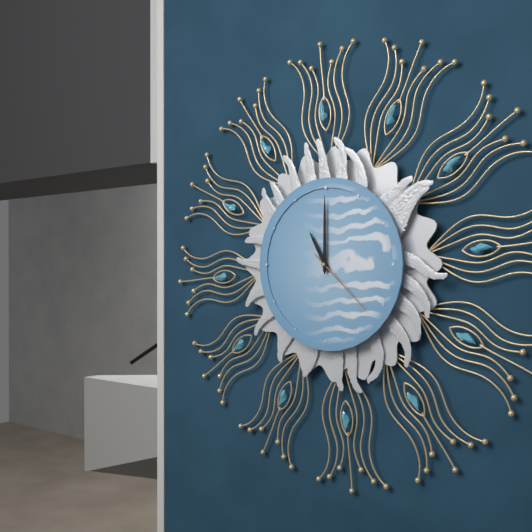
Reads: 11,00,22
